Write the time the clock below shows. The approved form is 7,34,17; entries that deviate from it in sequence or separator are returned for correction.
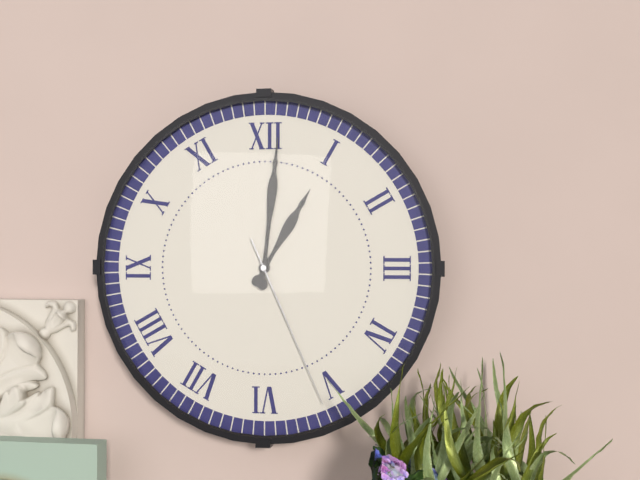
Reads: 1,01,26
